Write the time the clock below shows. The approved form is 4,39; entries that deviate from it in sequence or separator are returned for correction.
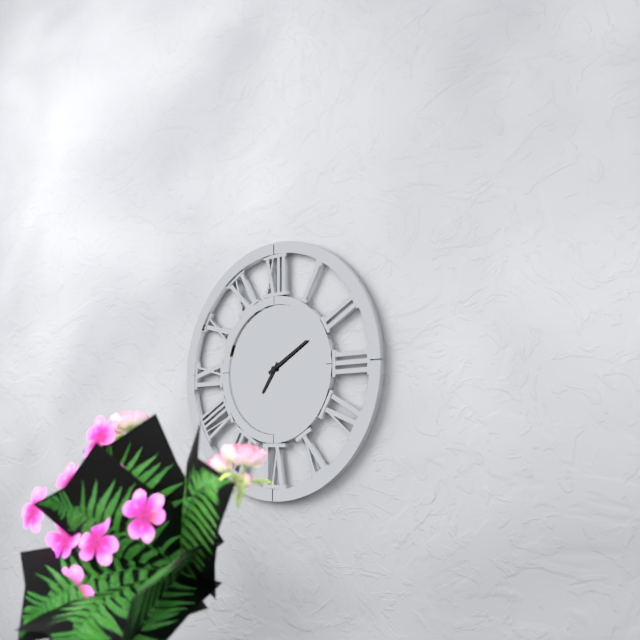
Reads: 7,10
